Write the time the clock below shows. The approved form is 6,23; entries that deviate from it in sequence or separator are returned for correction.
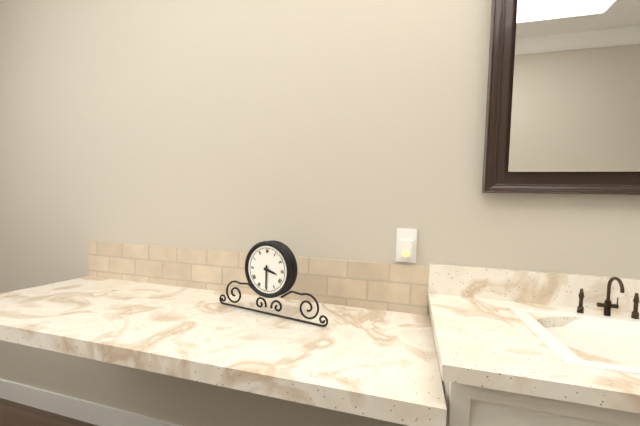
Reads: 3,30
